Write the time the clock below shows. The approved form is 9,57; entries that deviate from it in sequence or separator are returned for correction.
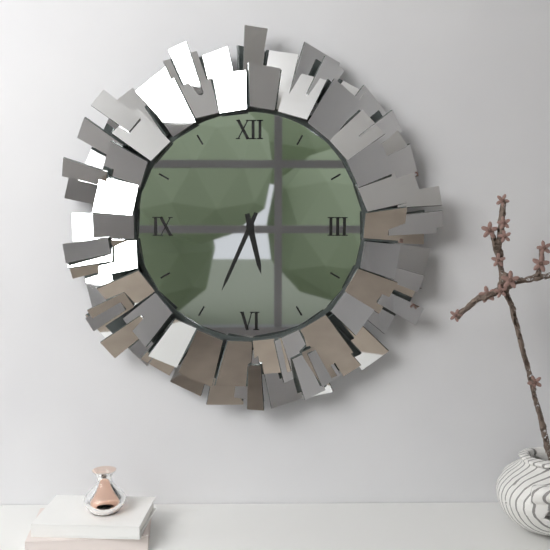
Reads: 5,34
